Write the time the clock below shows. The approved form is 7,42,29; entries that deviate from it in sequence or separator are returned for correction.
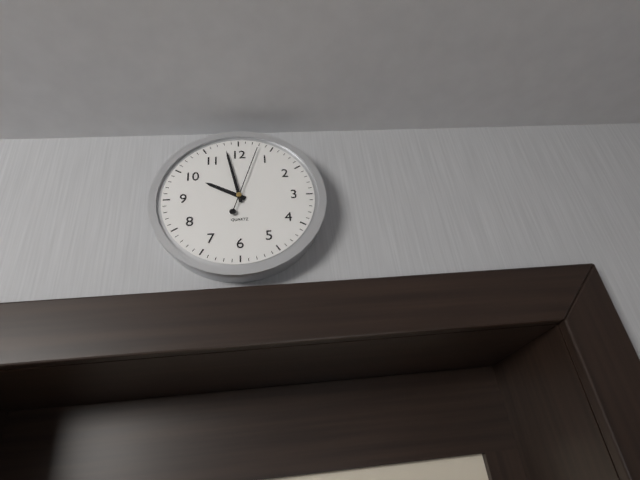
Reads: 9,58,03
